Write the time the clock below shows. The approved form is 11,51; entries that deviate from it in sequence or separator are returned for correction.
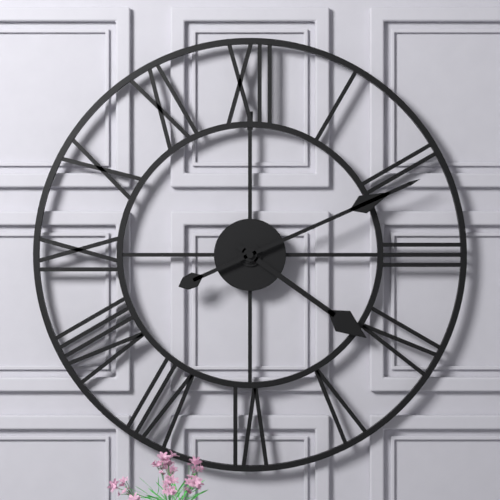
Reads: 4,11
